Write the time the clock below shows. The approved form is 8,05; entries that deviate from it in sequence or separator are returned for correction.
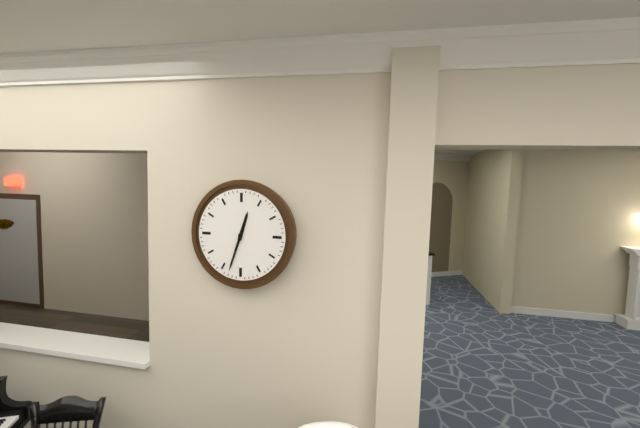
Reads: 12,33
